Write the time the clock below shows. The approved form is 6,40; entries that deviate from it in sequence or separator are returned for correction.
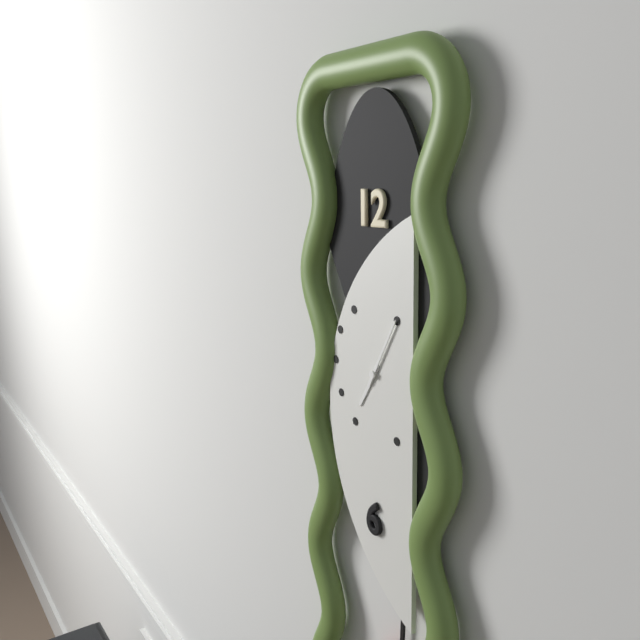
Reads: 7,05
